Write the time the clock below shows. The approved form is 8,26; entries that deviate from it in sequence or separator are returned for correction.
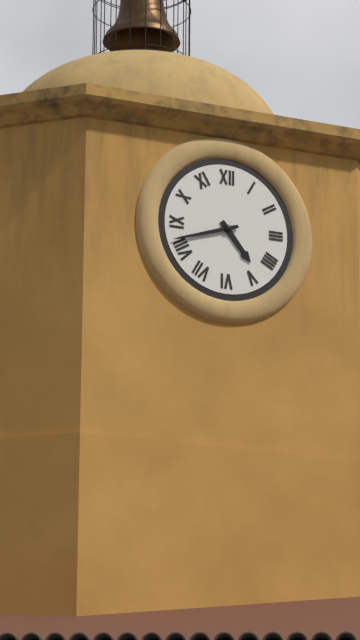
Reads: 4,42
